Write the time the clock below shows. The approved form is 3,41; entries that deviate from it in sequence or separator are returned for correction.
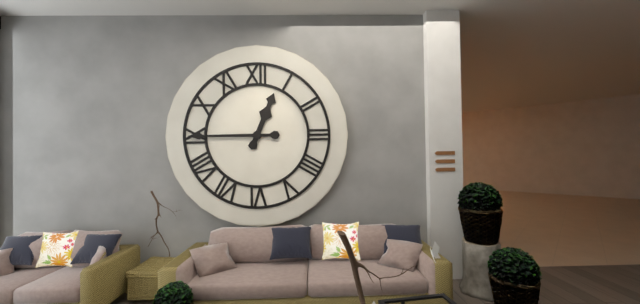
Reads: 12,45
